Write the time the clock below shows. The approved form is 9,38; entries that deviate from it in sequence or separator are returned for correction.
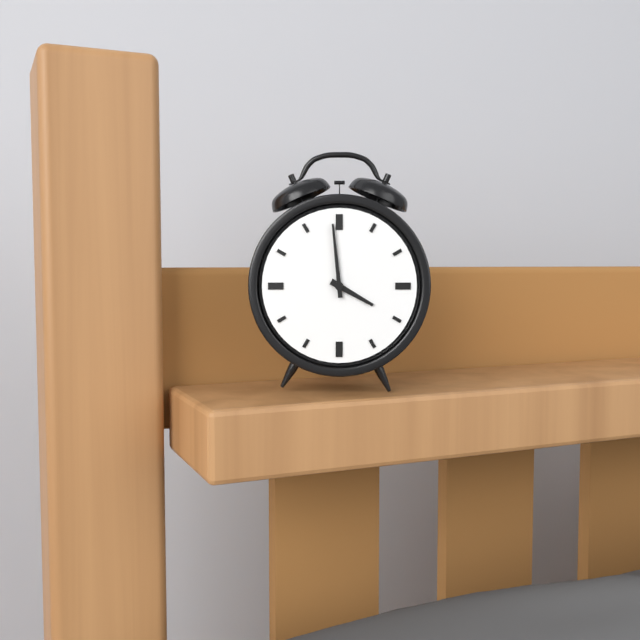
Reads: 3,59
